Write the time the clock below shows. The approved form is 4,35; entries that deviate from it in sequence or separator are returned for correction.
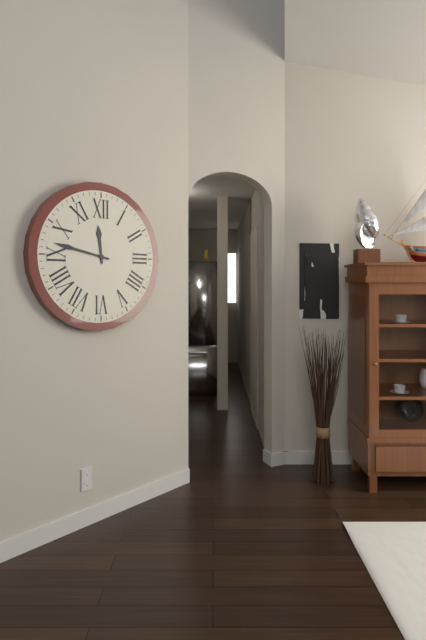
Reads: 11,47
